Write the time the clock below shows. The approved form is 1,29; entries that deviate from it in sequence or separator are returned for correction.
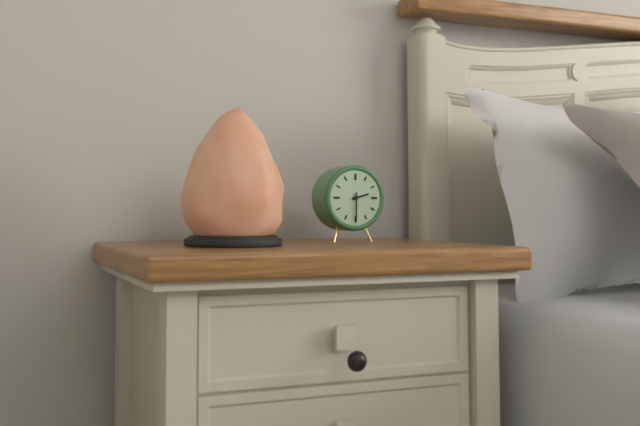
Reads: 2,30
